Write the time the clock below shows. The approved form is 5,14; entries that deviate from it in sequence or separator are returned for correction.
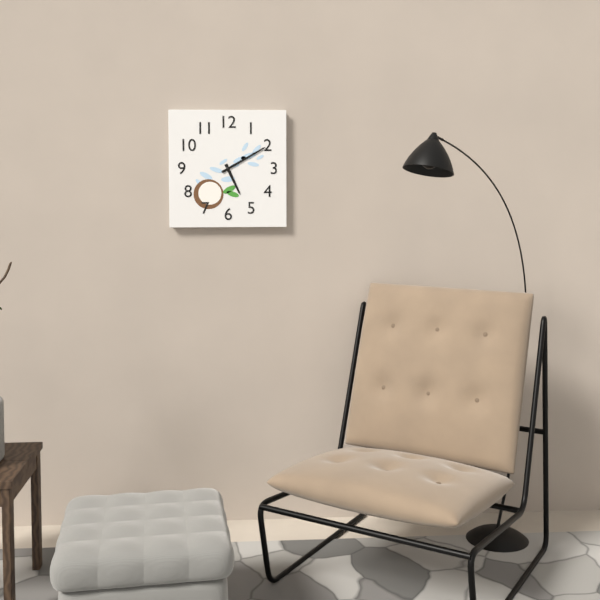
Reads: 5,10
